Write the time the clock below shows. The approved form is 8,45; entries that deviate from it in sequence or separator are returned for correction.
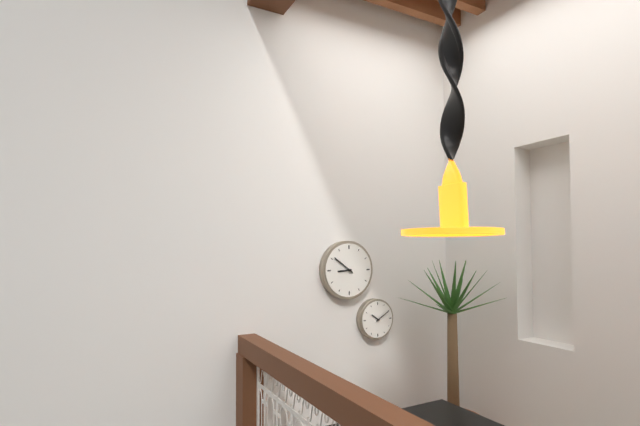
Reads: 8,51
